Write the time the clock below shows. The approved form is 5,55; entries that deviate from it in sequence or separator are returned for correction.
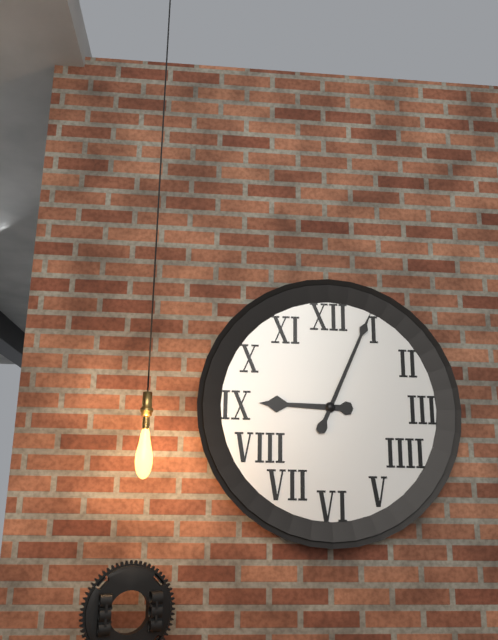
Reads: 9,04
